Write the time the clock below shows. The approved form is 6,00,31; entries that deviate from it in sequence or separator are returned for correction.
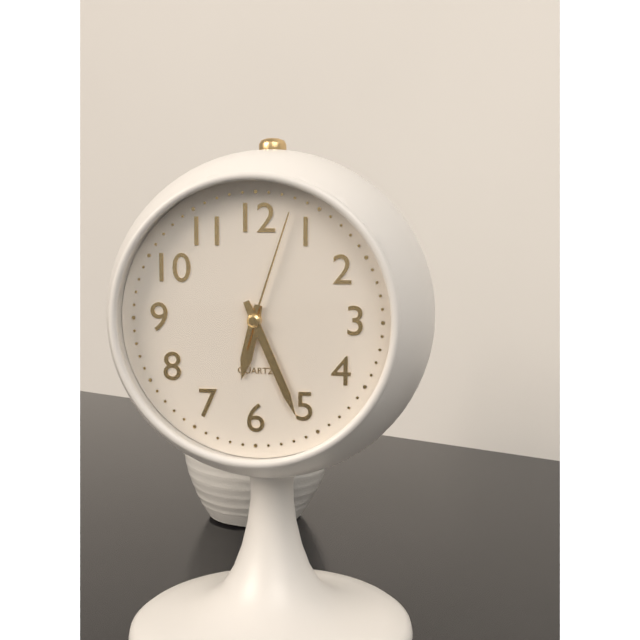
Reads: 6,26,03
